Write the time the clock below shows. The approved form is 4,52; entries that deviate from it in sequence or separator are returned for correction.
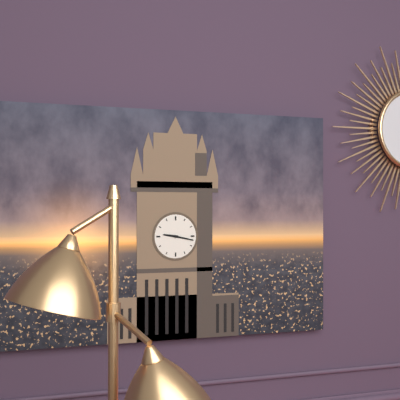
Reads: 9,17
